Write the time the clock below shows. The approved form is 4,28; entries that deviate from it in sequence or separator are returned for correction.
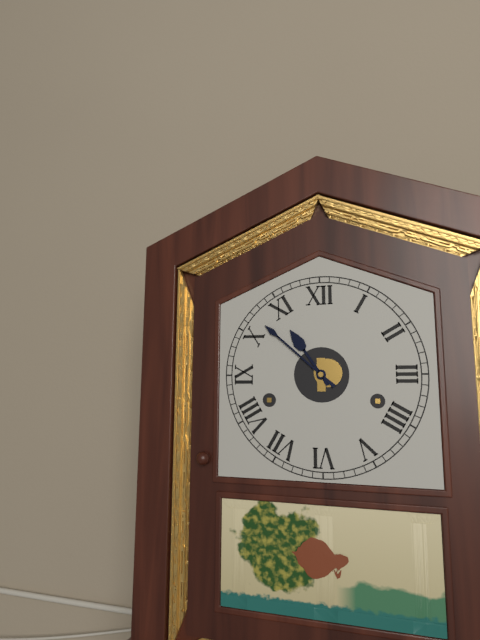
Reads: 10,52
